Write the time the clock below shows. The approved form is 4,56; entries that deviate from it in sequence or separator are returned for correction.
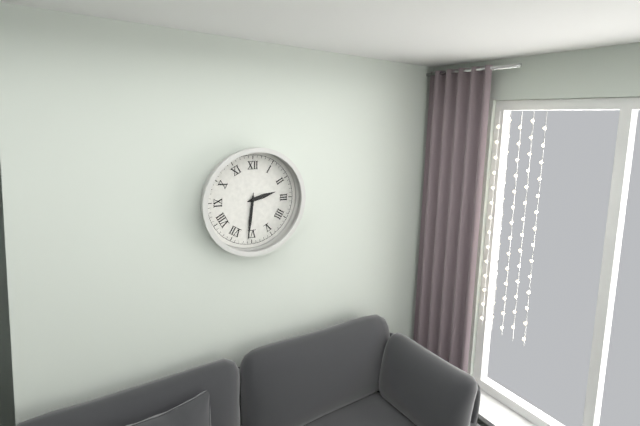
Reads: 2,31
